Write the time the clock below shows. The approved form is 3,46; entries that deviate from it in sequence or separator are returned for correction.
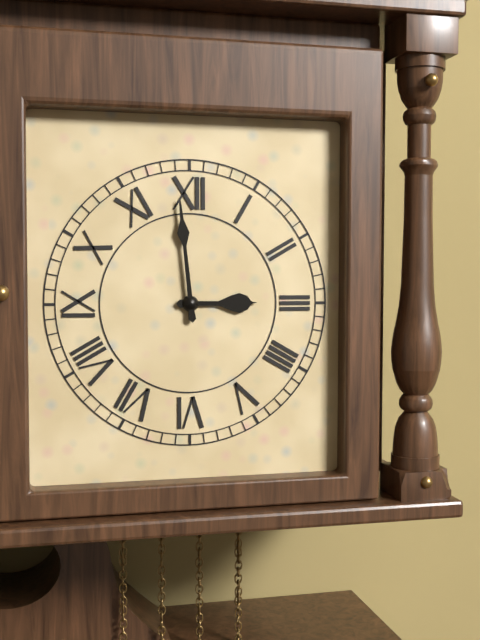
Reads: 2,59
